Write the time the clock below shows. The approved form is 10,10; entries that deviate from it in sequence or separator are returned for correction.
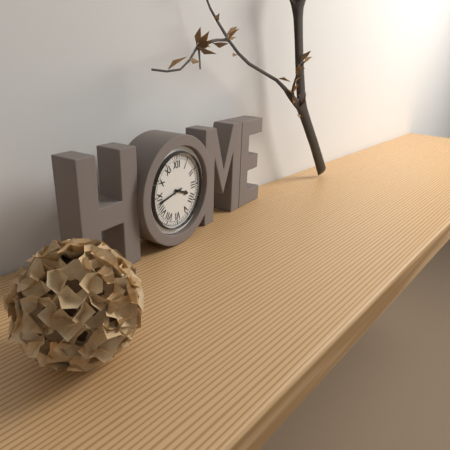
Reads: 3,43
